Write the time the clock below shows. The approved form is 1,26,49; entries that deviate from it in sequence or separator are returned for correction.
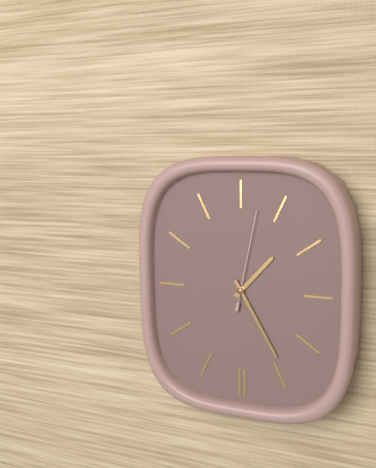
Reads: 1,25,02
